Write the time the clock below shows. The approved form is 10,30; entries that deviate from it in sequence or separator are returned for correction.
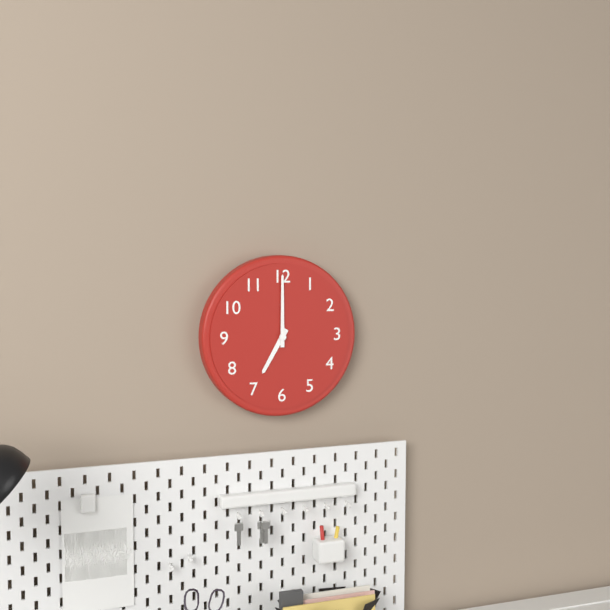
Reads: 7,00
